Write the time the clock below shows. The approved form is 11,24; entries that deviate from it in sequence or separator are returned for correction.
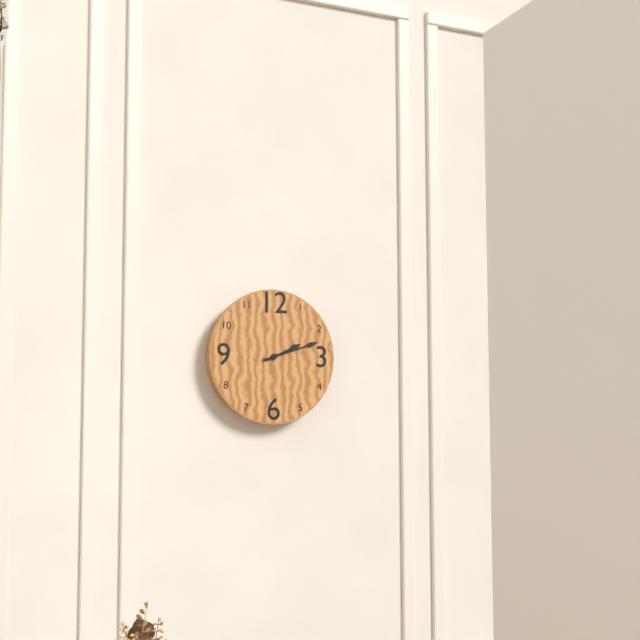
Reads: 2,12
